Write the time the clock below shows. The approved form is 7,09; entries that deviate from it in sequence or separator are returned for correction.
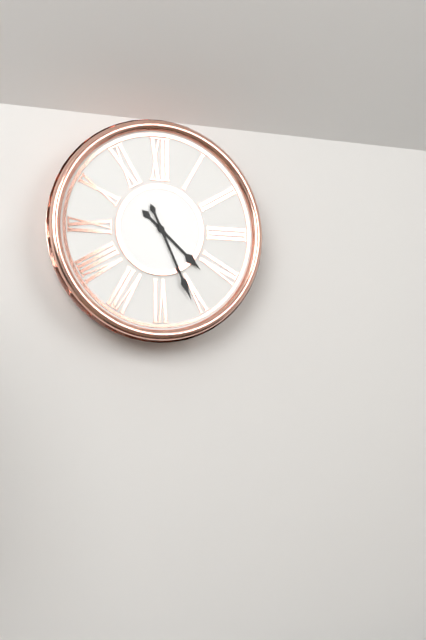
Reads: 4,26
